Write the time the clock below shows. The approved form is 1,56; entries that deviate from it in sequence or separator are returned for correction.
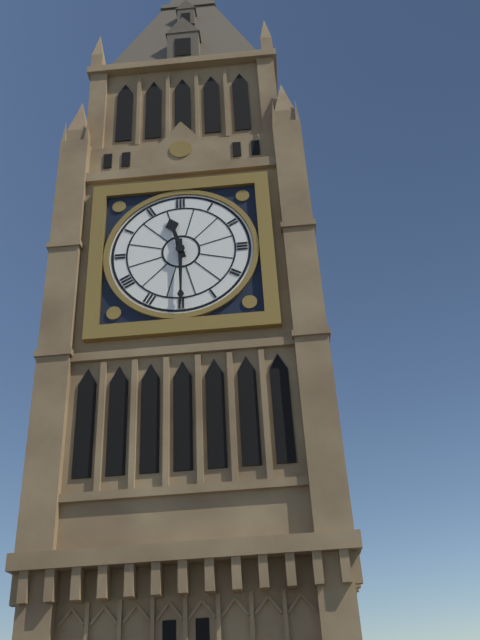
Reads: 11,30
